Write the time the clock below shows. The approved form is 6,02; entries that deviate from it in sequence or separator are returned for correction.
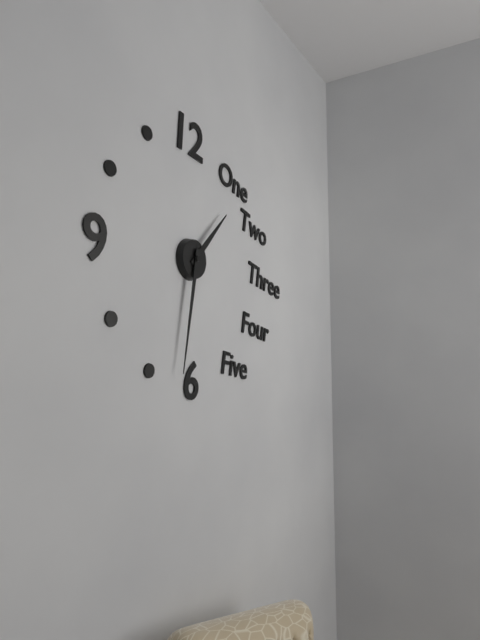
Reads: 1,32
